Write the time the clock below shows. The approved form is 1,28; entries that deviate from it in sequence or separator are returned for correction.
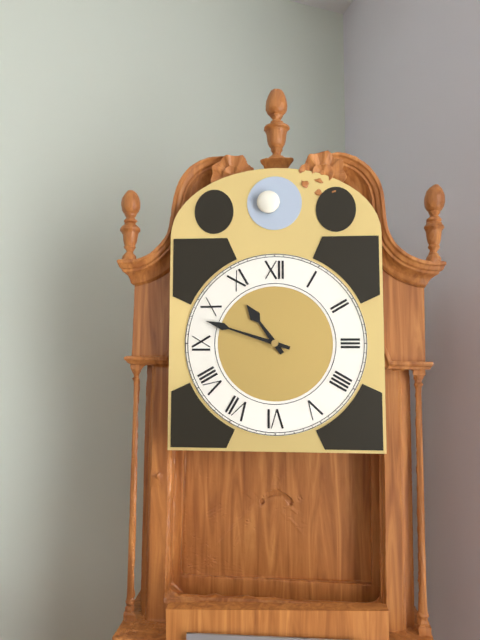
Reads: 10,48
